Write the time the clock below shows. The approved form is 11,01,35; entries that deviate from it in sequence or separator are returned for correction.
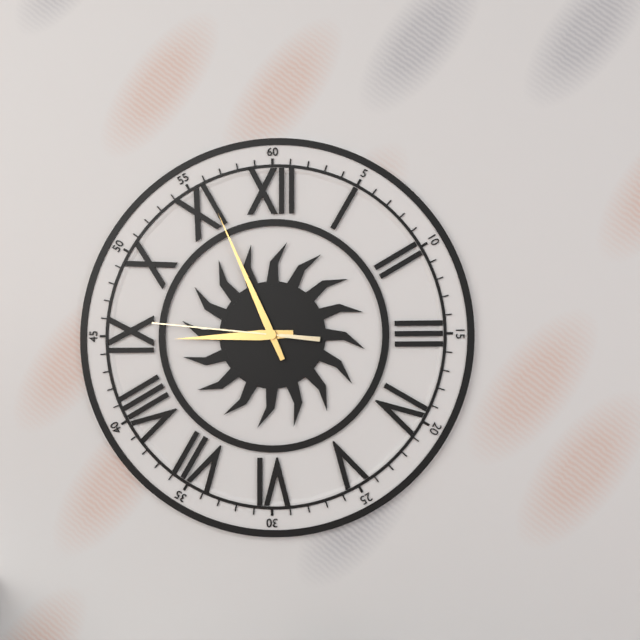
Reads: 8,56,46
